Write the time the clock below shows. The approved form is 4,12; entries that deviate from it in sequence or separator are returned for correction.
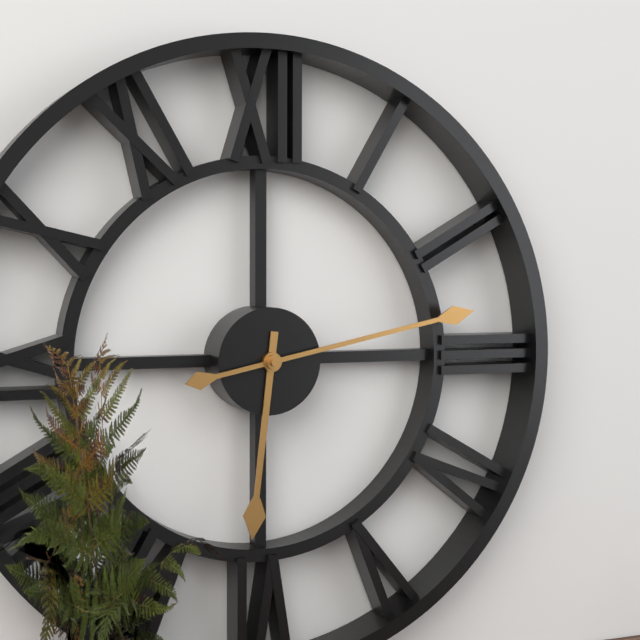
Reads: 6,13
